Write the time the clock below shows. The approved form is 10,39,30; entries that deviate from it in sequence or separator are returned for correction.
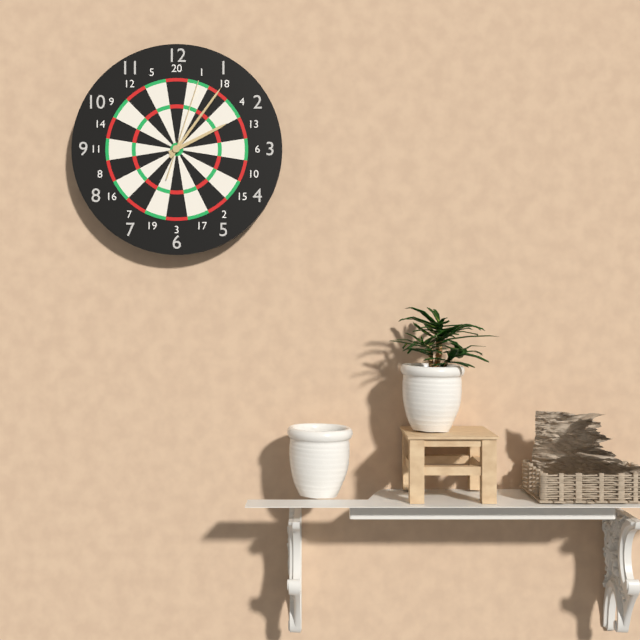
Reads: 2,06,03
